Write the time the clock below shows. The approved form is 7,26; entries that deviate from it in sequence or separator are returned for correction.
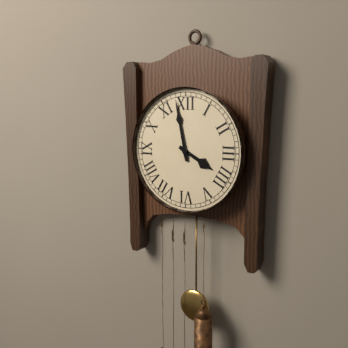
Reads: 3,58
